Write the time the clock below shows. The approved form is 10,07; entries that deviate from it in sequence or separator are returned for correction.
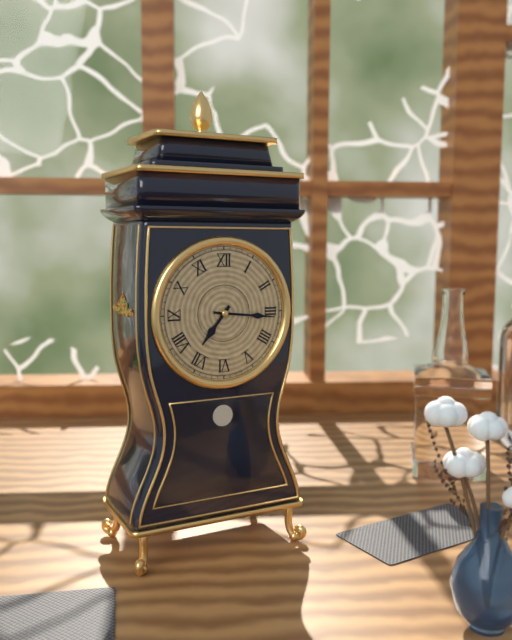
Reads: 7,16
